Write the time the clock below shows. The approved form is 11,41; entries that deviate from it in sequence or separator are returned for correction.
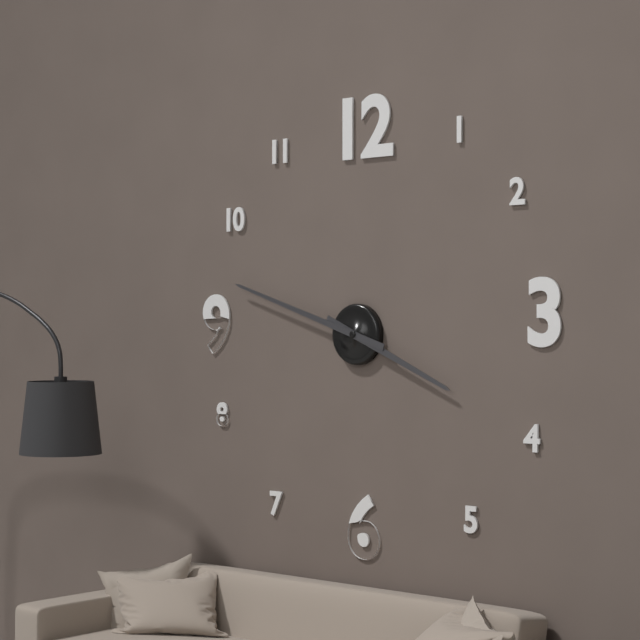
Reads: 3,48
